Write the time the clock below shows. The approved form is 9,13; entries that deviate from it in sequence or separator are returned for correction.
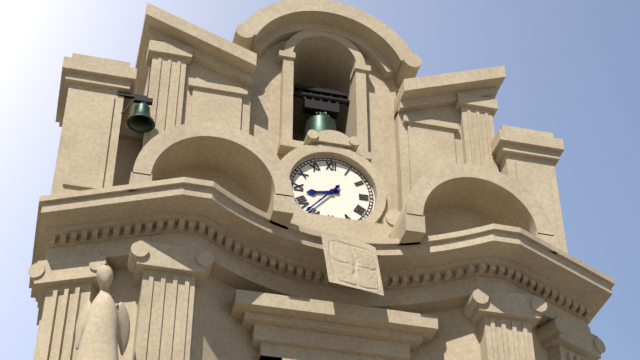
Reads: 8,37
